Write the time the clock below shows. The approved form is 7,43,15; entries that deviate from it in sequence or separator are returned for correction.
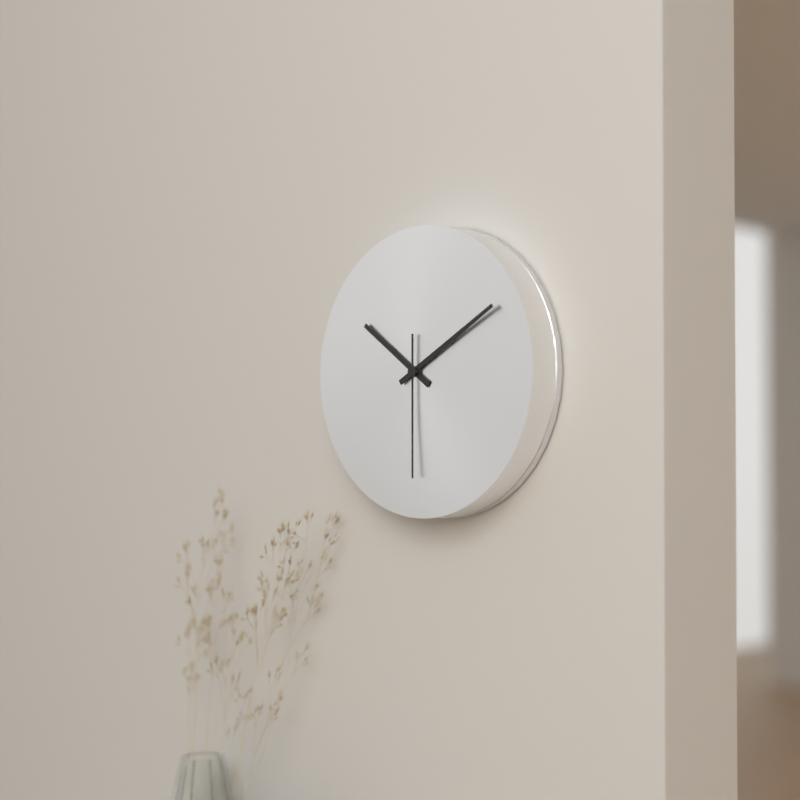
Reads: 10,10,30
